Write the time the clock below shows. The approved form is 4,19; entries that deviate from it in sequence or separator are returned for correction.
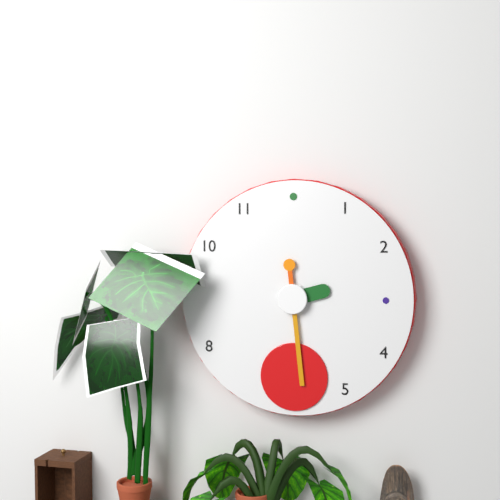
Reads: 2,29
